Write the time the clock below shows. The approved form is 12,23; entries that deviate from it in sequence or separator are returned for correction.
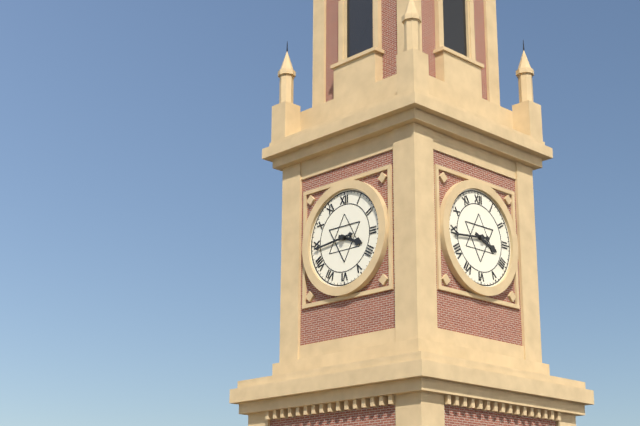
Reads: 3,44
